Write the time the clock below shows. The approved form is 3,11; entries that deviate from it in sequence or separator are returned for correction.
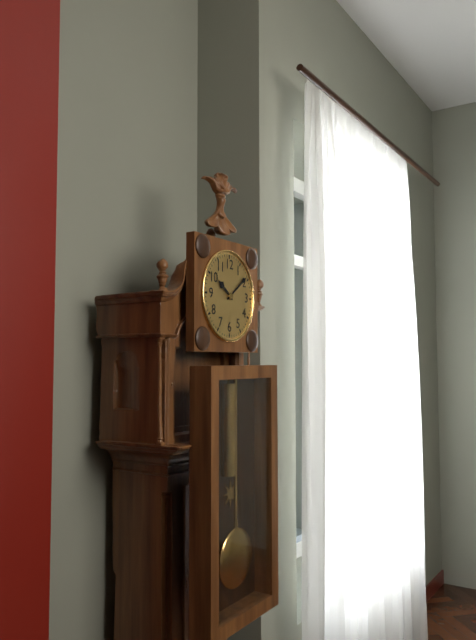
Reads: 10,09
